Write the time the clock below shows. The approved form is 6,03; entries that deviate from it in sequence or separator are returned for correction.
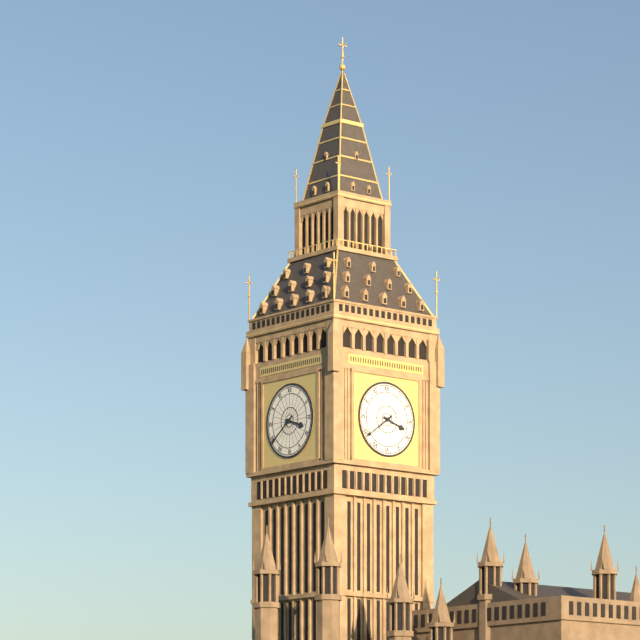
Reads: 3,39
